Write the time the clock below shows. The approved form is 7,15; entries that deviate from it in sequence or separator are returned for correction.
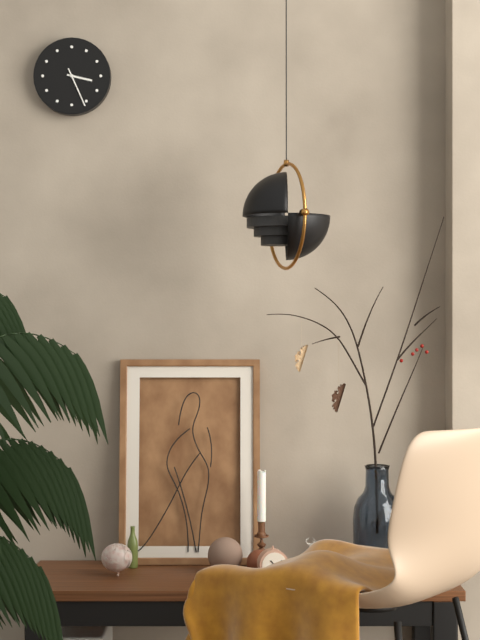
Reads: 3,26
